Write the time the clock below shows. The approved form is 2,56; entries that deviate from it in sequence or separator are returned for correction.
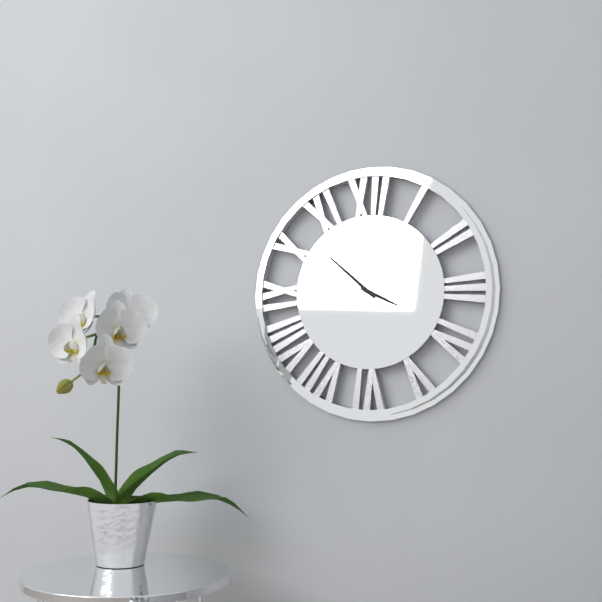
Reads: 3,52
